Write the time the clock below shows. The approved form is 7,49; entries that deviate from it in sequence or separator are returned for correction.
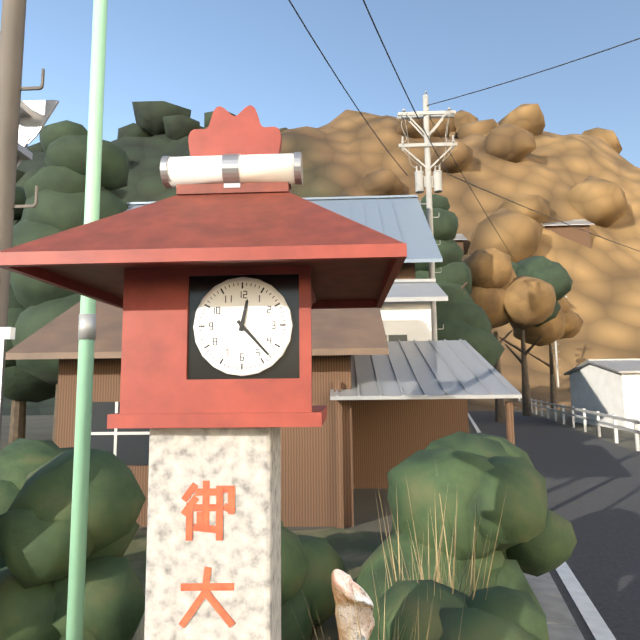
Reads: 12,23
